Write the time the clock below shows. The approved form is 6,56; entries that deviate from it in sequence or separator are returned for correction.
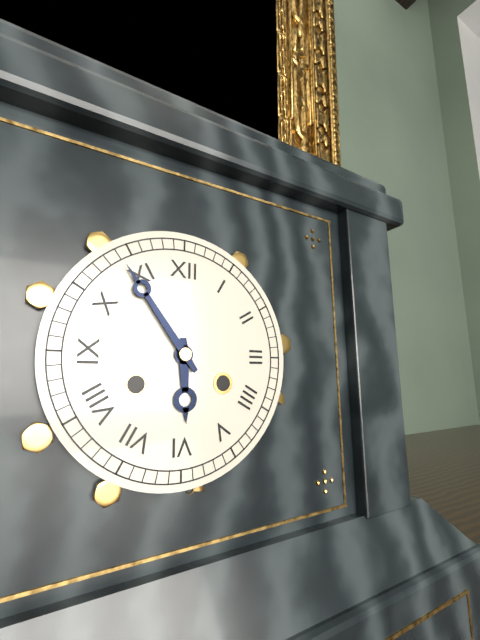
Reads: 5,54
